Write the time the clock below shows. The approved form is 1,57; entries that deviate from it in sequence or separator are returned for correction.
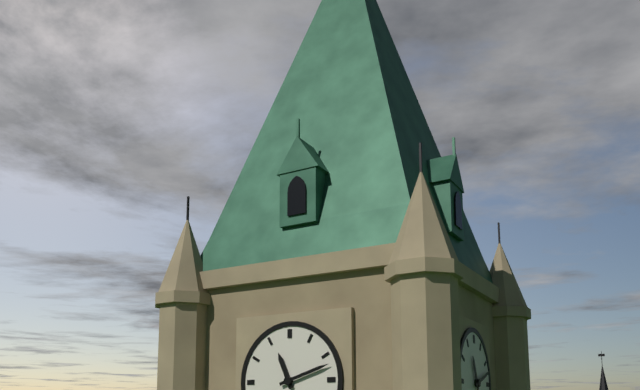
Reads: 11,12
